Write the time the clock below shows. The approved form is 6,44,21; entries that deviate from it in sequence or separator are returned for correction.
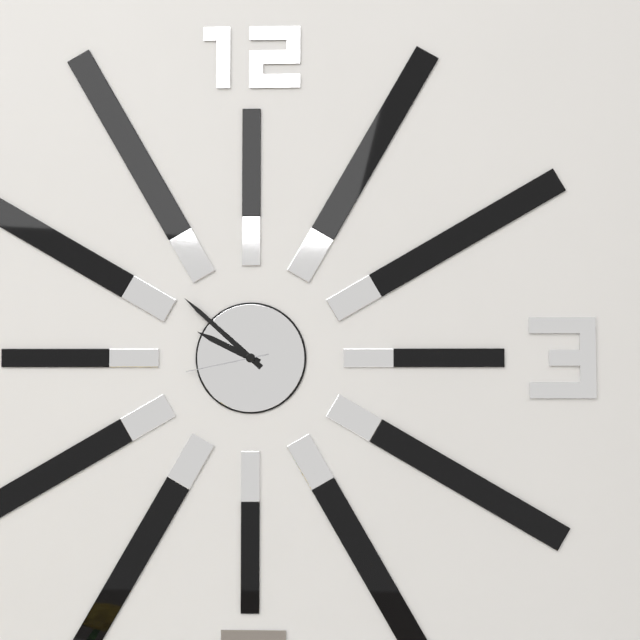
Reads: 9,52,43
